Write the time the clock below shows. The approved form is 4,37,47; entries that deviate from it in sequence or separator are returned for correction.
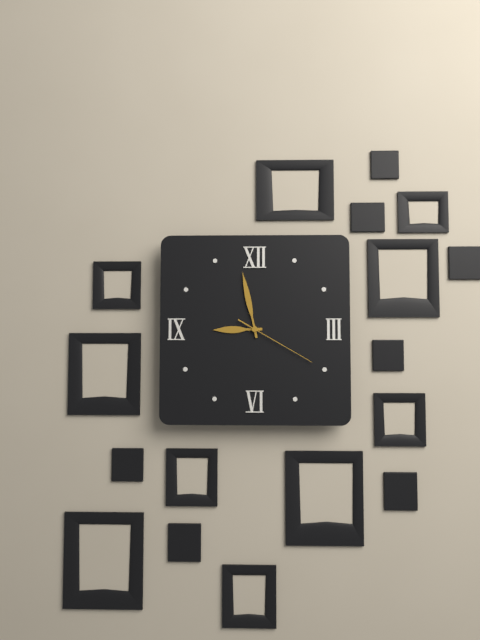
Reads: 8,58,20
